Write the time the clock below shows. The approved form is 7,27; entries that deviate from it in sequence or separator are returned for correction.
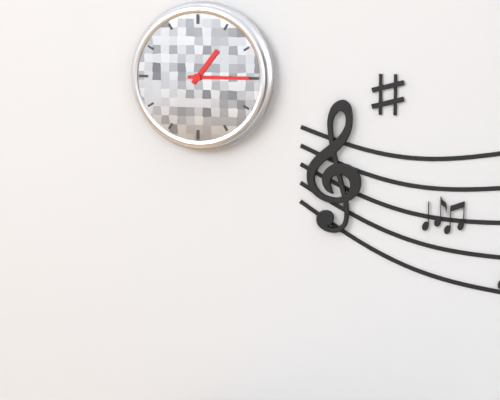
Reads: 1,15
